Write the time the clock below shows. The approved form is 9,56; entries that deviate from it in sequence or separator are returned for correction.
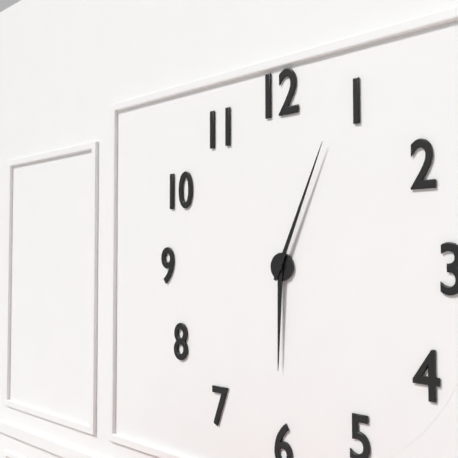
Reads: 6,04
